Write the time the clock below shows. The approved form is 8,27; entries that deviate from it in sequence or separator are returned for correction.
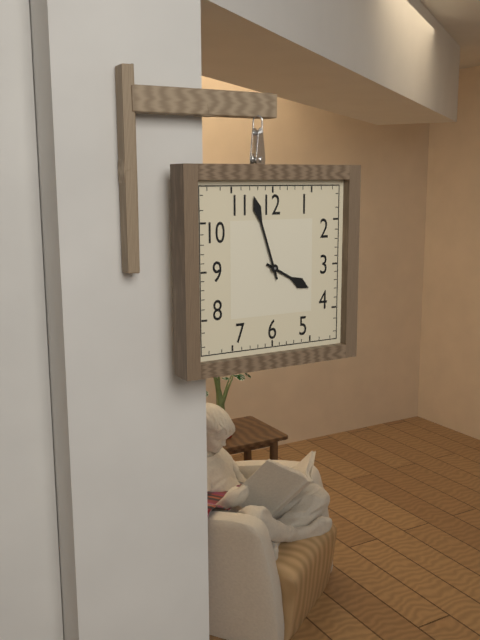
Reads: 3,57
